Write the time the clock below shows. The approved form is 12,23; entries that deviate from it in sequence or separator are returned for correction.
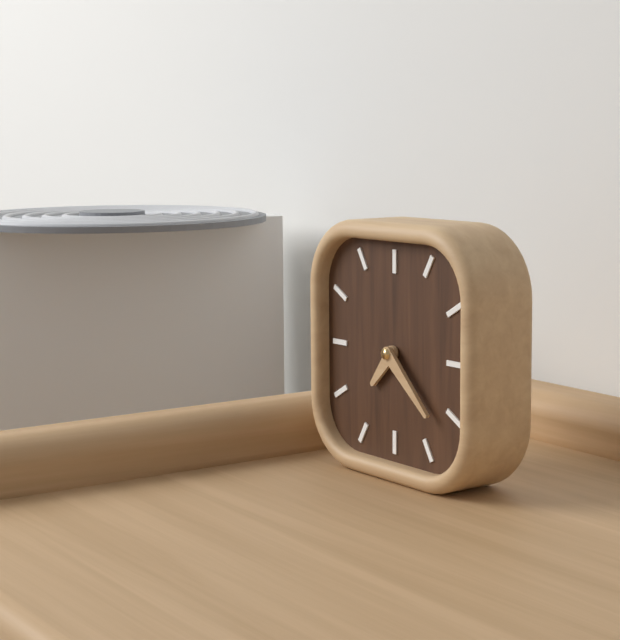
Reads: 7,22
